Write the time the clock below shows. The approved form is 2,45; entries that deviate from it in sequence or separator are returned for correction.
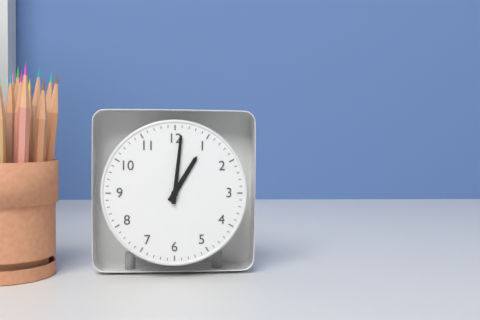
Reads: 1,01
